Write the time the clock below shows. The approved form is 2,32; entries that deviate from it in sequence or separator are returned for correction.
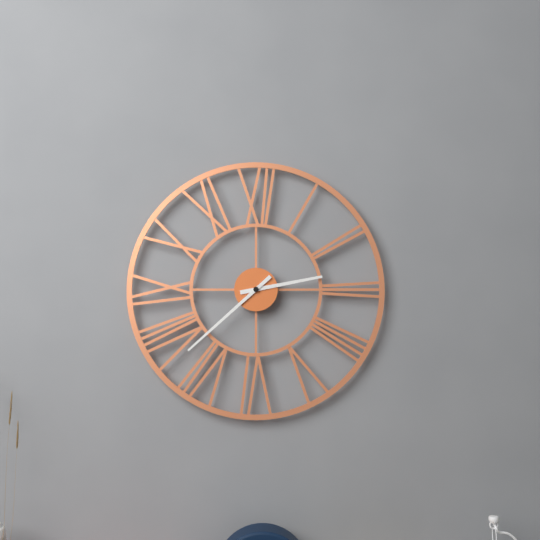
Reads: 2,38
